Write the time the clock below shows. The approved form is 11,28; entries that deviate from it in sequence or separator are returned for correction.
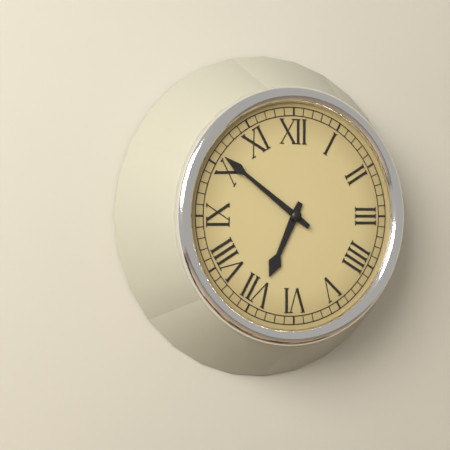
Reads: 6,51
